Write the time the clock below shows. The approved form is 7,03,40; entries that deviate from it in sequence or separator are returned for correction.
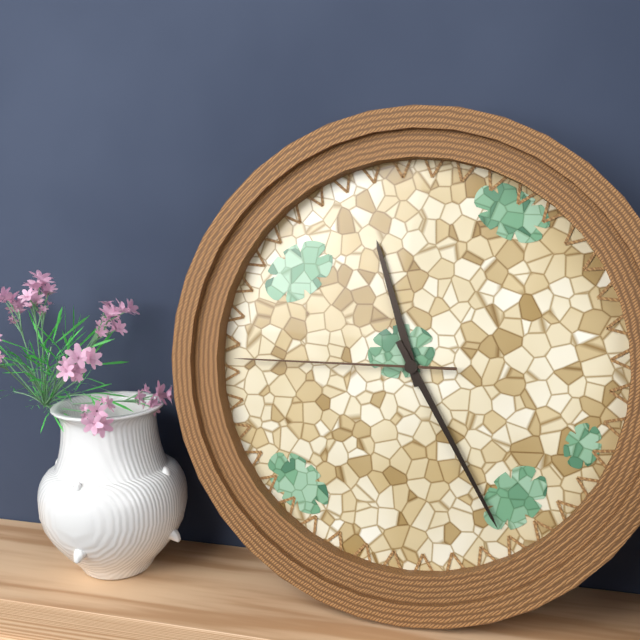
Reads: 11,25,45
